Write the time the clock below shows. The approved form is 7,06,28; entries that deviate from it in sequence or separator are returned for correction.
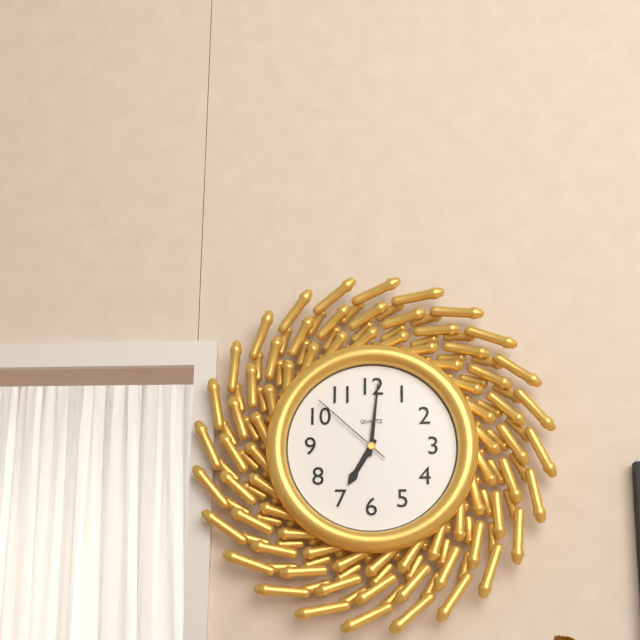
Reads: 7,01,52
